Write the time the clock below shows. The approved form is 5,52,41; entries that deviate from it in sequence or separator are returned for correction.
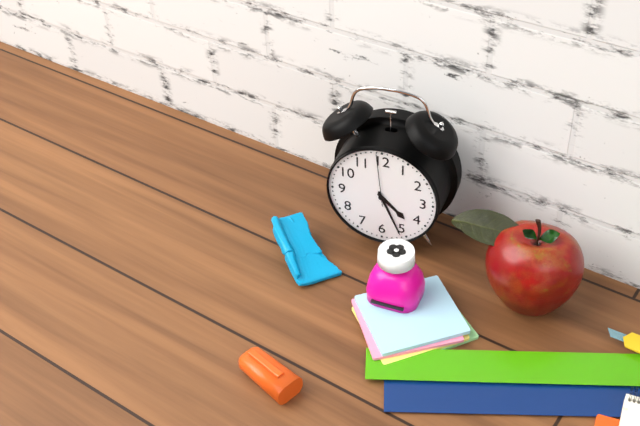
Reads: 4,26,59
